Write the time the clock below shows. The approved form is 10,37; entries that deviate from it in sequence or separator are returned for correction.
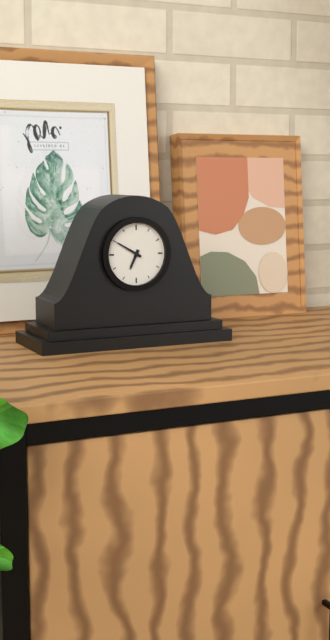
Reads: 6,50
